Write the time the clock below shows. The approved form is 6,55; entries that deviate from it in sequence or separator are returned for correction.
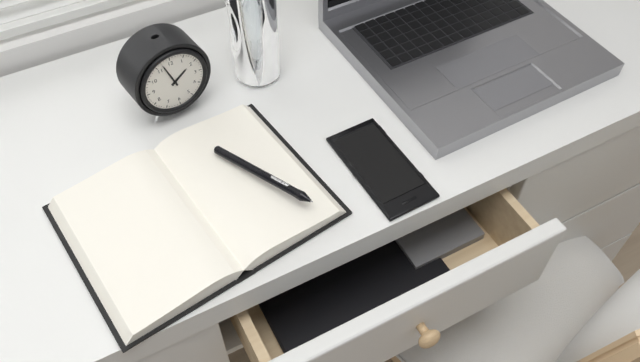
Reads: 1,57
